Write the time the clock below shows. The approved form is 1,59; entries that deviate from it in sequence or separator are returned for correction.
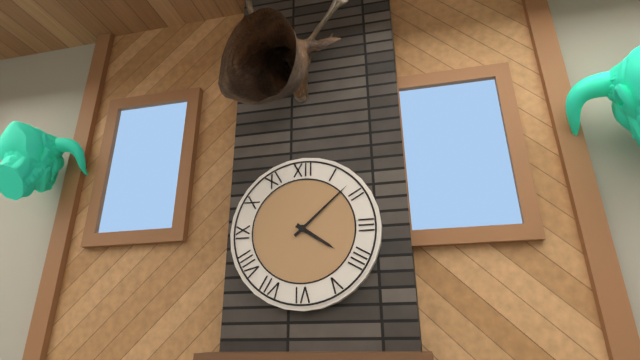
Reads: 4,08
